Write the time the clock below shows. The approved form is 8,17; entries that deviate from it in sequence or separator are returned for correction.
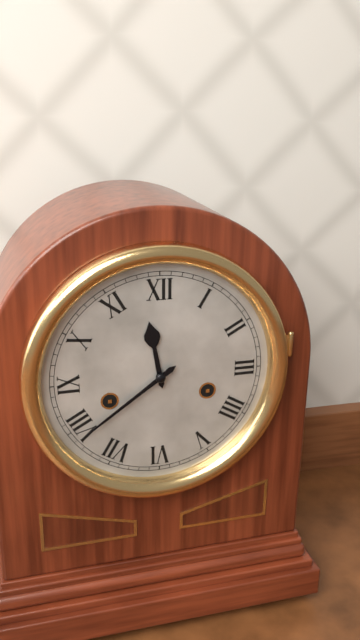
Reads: 11,39
